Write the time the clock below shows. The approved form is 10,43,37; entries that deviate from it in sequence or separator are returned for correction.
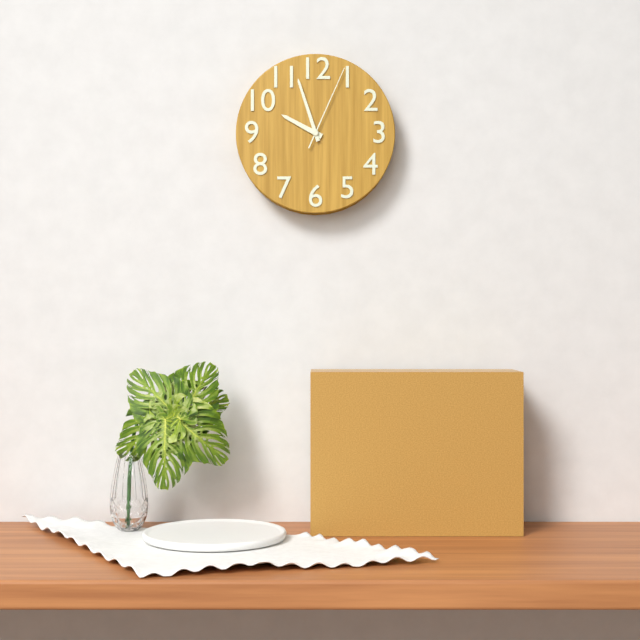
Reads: 9,57,04
